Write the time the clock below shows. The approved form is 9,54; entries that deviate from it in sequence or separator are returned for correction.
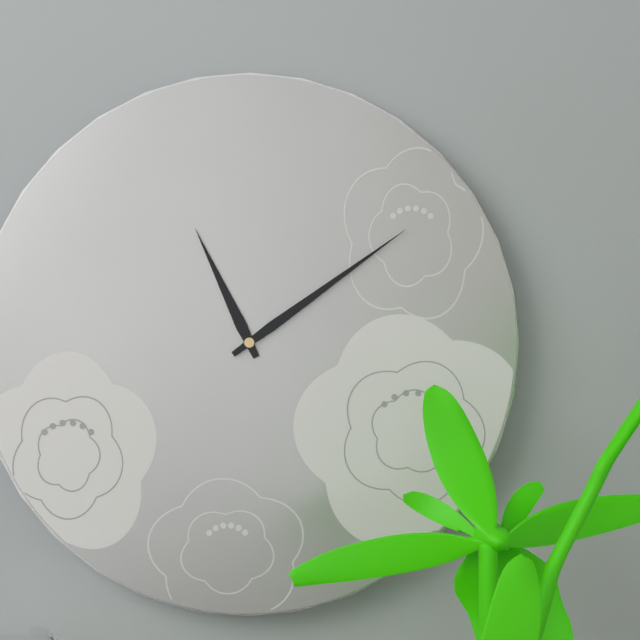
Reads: 11,09
